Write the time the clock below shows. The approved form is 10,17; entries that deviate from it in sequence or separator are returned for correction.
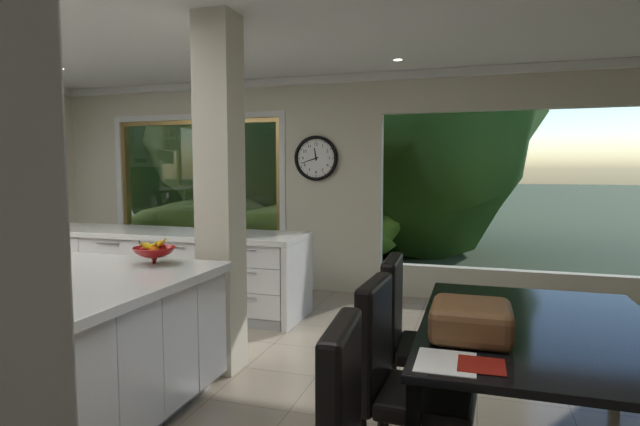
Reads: 11,42
